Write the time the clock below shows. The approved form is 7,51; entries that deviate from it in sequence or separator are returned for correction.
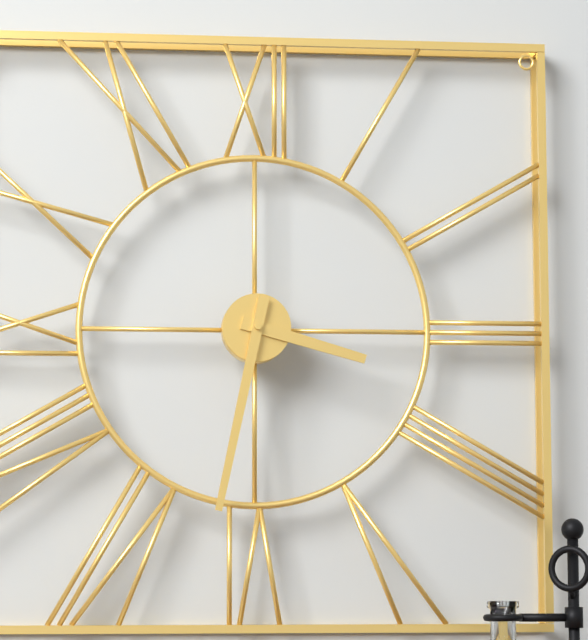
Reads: 3,32
